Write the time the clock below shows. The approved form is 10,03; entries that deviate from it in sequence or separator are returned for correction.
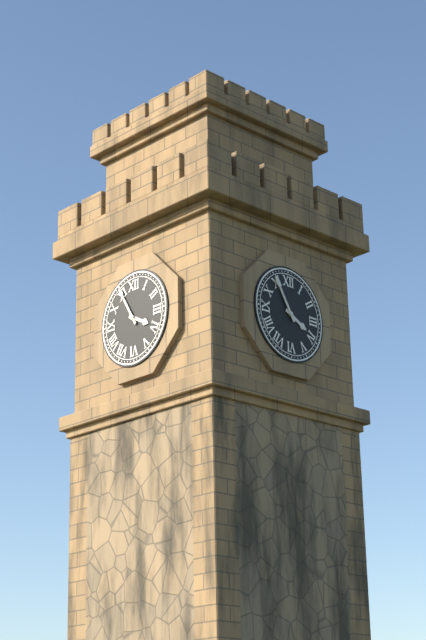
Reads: 3,55
